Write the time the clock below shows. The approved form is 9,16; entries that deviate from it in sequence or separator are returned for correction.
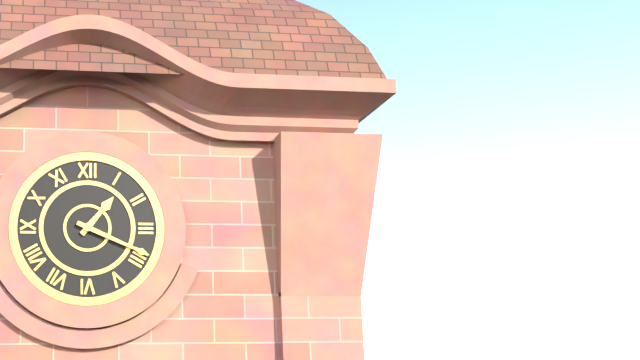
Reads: 1,19
